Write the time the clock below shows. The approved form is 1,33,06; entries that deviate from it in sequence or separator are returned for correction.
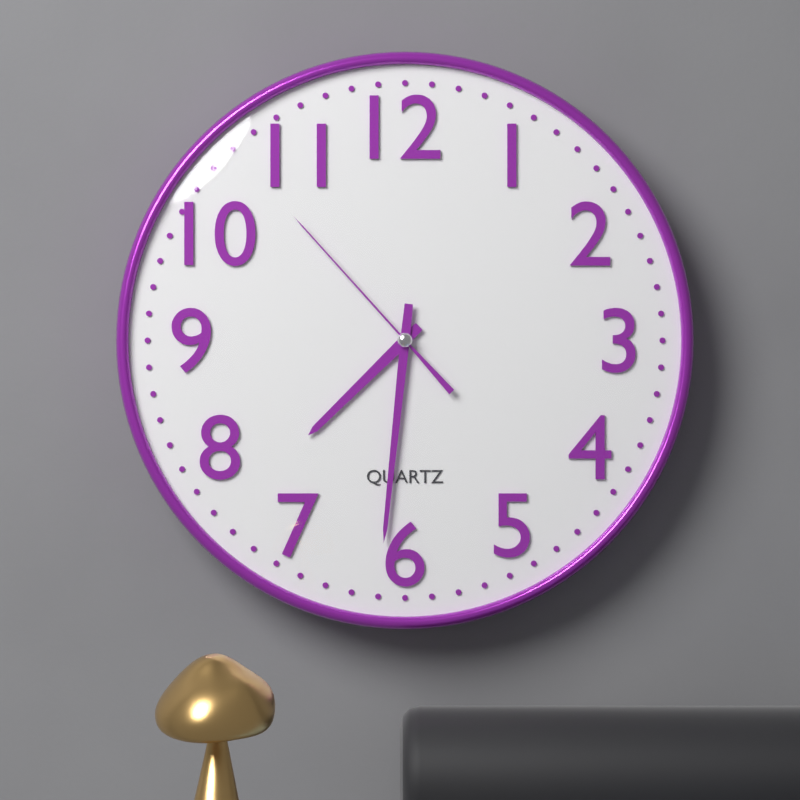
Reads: 7,31,53
